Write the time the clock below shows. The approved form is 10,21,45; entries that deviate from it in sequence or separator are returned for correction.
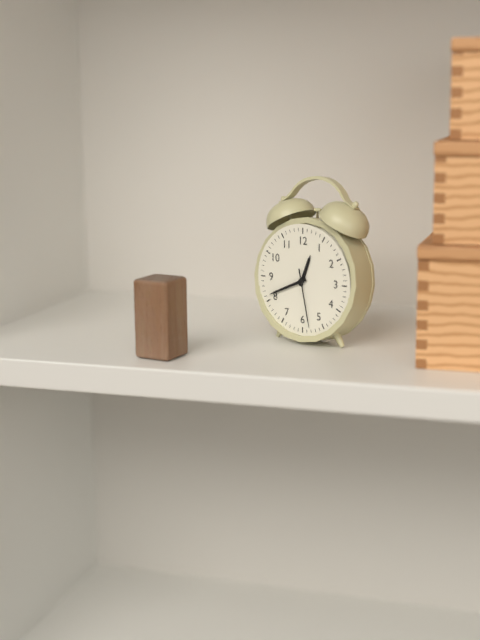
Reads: 12,41,28
